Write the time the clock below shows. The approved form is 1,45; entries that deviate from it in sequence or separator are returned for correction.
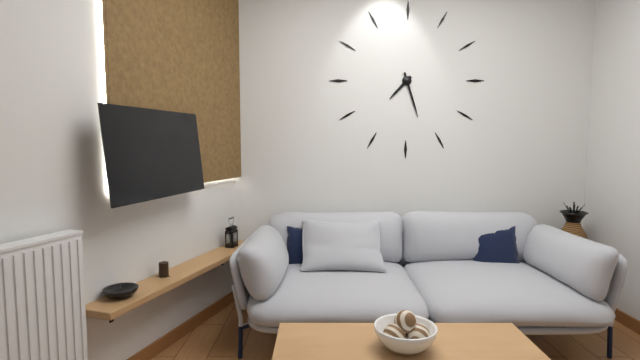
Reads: 7,27
